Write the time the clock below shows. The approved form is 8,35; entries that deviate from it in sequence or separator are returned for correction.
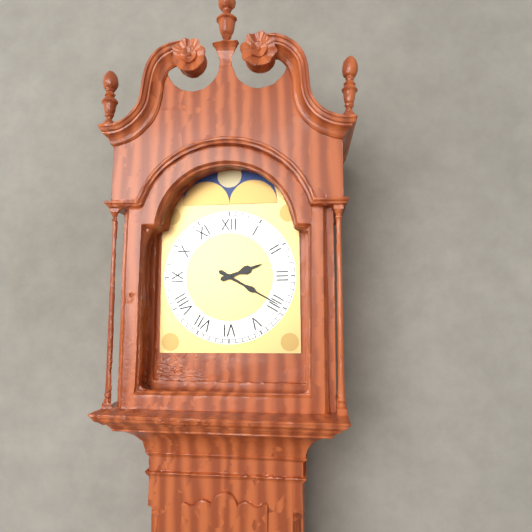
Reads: 2,20
